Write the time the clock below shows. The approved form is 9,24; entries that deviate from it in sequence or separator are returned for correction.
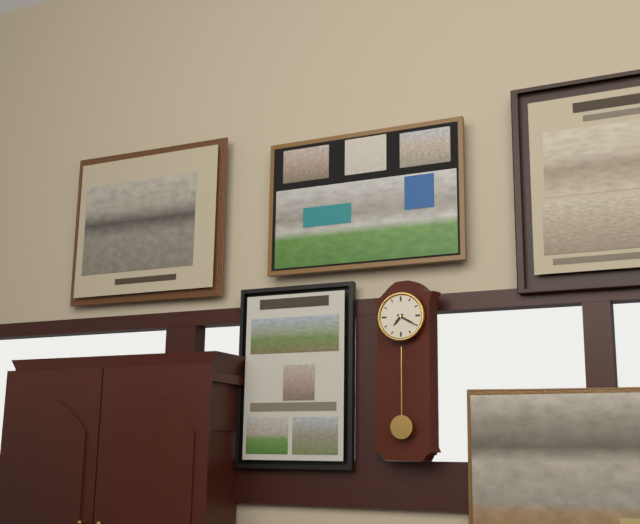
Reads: 7,20
